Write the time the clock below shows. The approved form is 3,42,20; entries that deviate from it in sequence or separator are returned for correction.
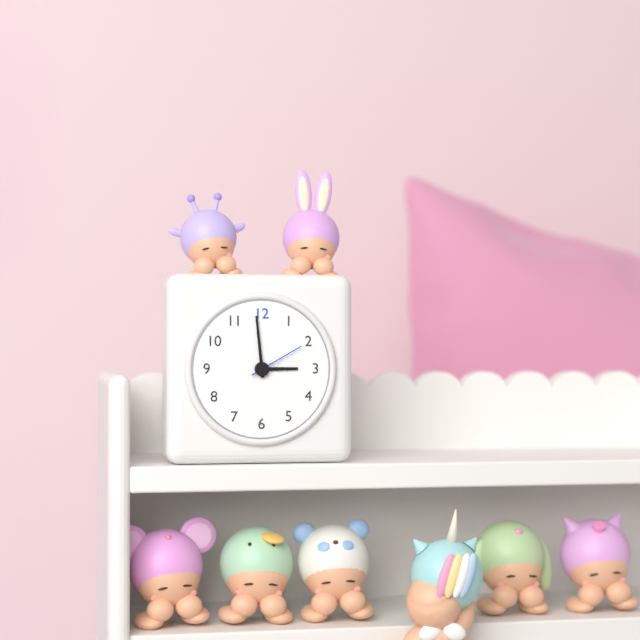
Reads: 2,59,10
